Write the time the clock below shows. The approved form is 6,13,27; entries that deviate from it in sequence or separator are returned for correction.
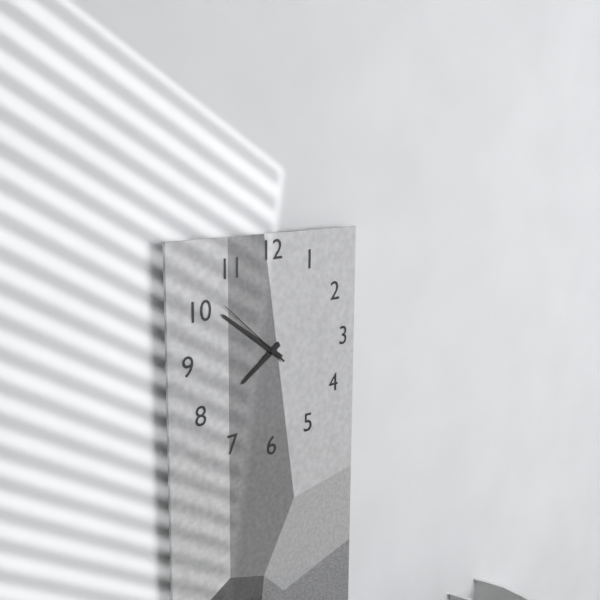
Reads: 7,51,52
